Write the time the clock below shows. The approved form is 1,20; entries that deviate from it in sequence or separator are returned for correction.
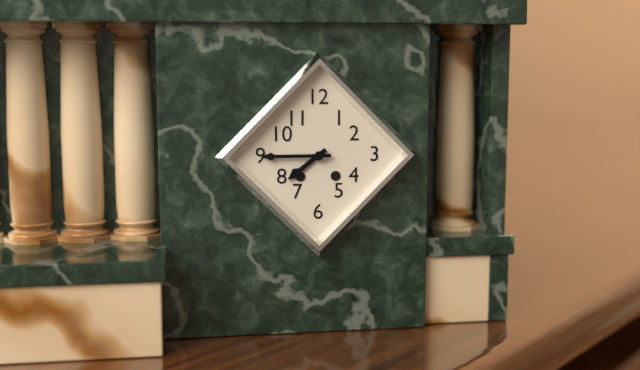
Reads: 7,45
